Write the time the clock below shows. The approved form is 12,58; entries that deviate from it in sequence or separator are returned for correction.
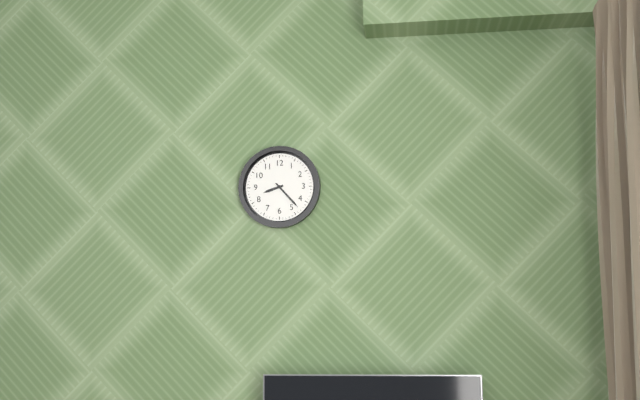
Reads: 8,23
